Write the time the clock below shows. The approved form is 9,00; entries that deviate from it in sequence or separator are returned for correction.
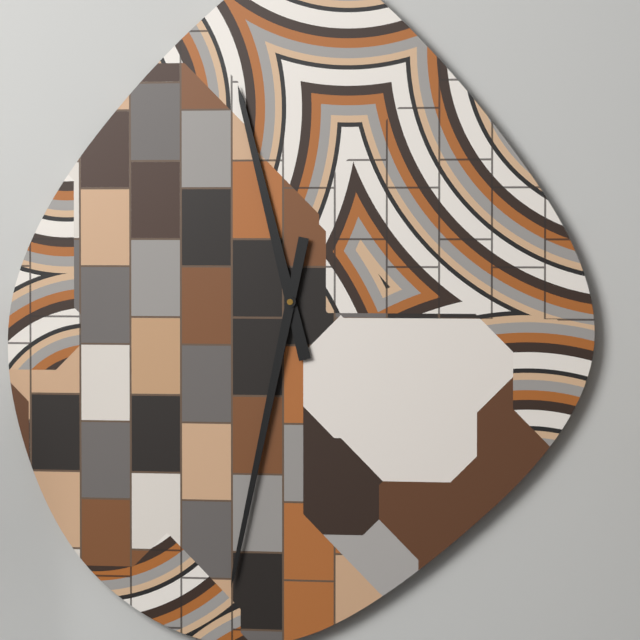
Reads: 11,32
